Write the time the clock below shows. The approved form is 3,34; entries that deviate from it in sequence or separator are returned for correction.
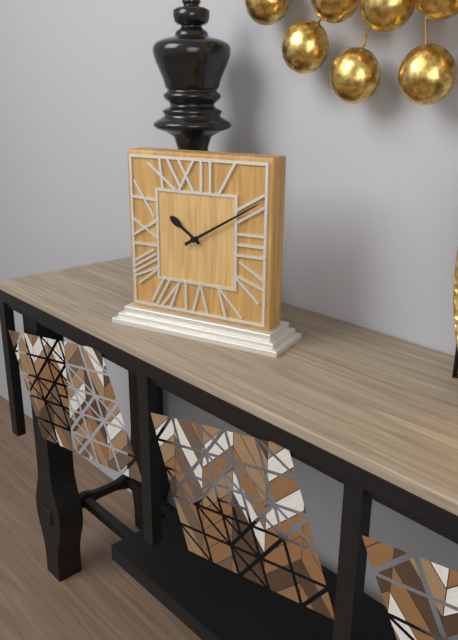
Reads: 10,10
